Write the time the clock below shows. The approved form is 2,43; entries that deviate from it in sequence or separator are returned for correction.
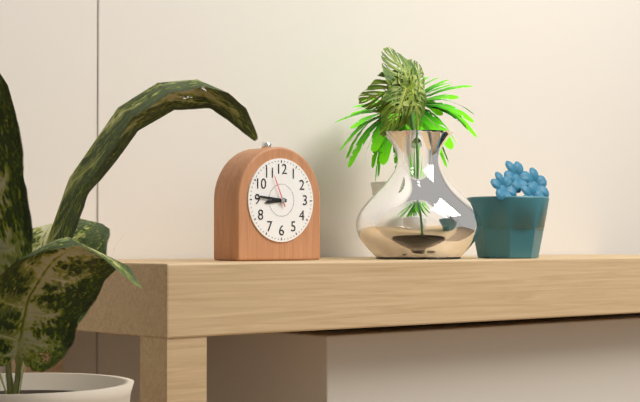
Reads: 8,46
